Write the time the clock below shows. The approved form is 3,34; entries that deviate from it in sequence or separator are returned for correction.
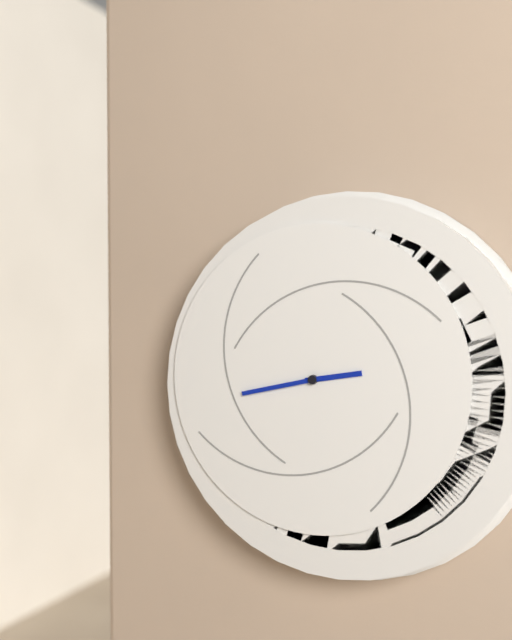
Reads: 2,43
